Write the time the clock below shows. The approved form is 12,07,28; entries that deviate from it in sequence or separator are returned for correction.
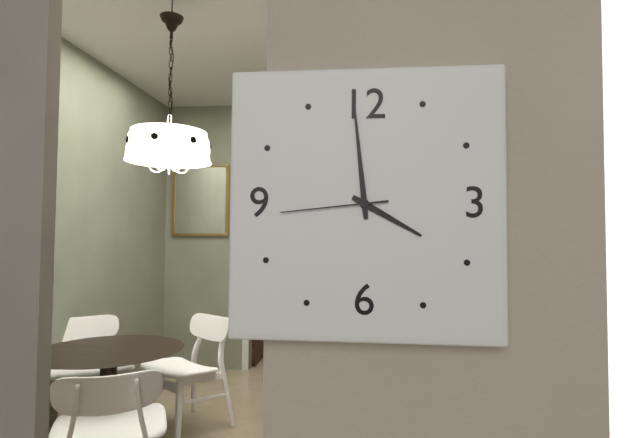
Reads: 3,59,44
